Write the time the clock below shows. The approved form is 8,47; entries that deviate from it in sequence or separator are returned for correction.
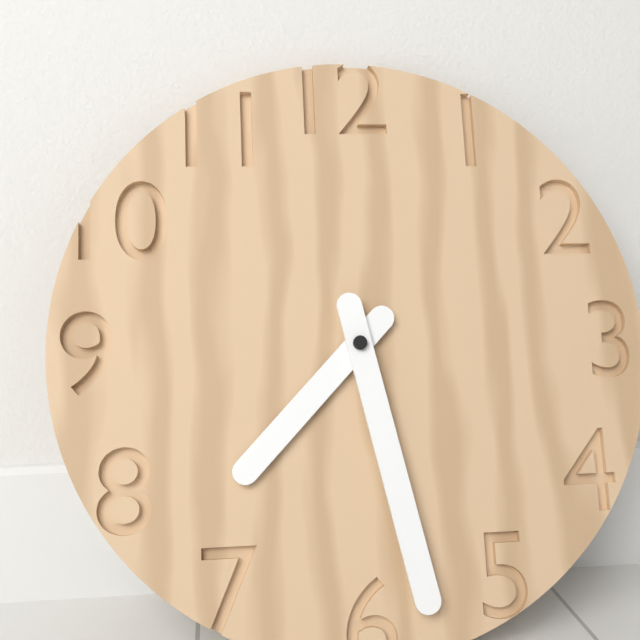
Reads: 7,28
